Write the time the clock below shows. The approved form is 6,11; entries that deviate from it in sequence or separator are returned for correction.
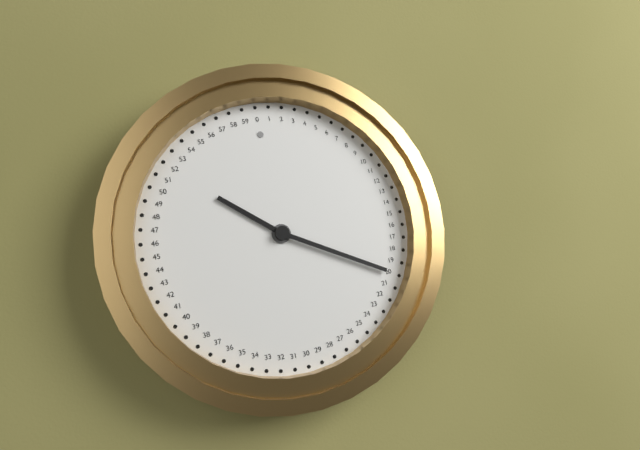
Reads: 10,20
